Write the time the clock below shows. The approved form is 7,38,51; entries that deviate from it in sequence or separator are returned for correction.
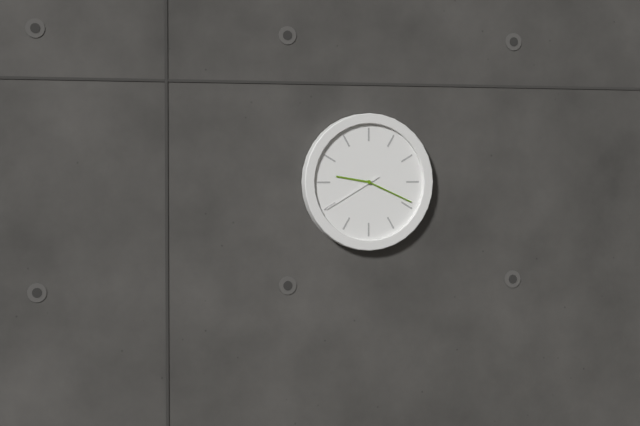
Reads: 9,19,40
